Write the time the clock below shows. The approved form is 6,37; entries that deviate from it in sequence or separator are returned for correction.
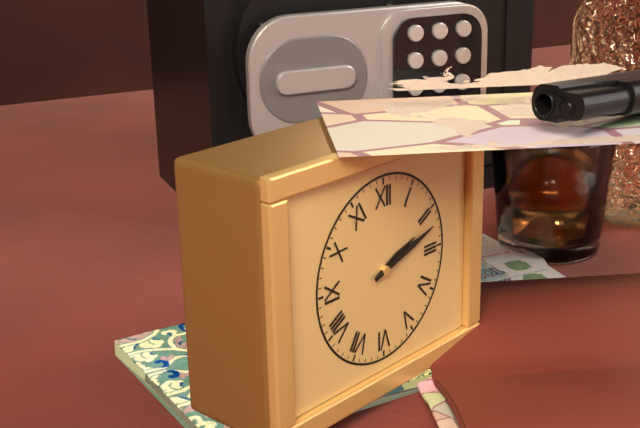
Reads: 2,12
